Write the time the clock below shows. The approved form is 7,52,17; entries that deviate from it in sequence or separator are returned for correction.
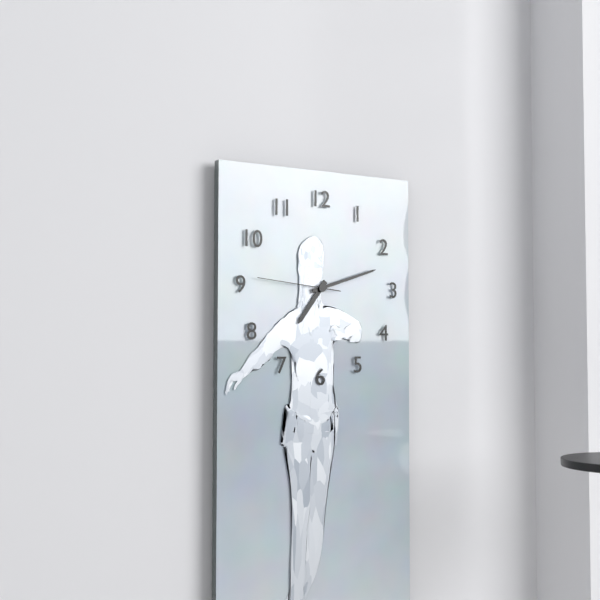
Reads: 7,12,46
